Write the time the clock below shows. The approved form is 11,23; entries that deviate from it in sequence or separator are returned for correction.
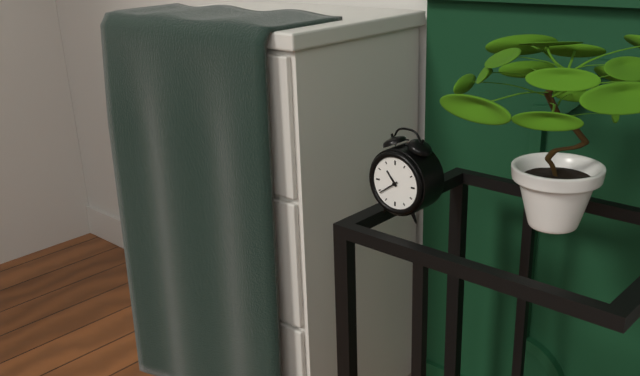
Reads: 10,39
